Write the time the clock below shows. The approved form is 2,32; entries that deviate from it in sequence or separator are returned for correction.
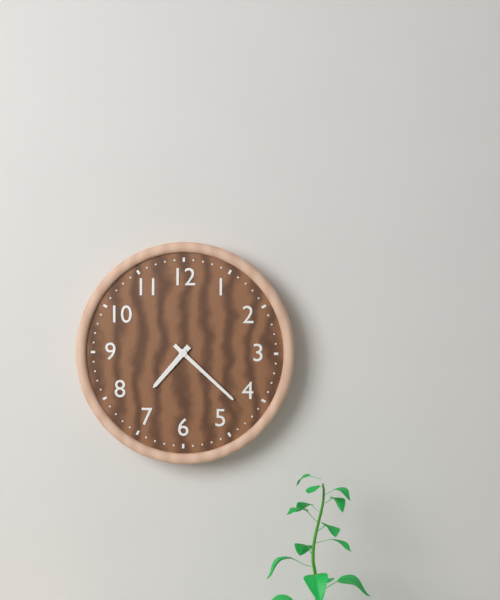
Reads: 7,22
